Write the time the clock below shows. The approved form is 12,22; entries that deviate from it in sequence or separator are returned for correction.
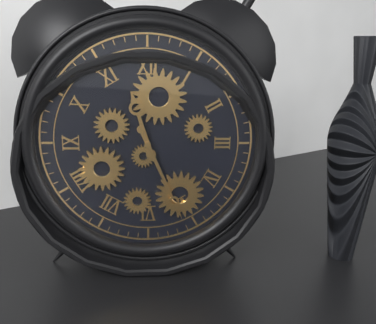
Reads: 11,26
